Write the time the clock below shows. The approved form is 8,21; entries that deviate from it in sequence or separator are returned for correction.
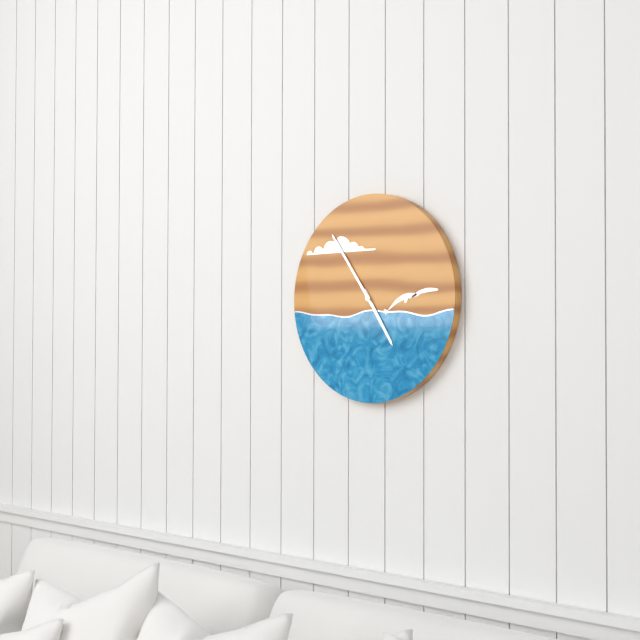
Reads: 4,54
